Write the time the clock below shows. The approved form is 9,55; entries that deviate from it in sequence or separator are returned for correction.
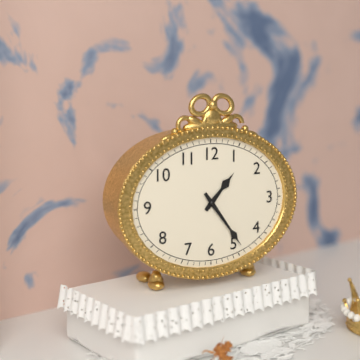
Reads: 1,24
